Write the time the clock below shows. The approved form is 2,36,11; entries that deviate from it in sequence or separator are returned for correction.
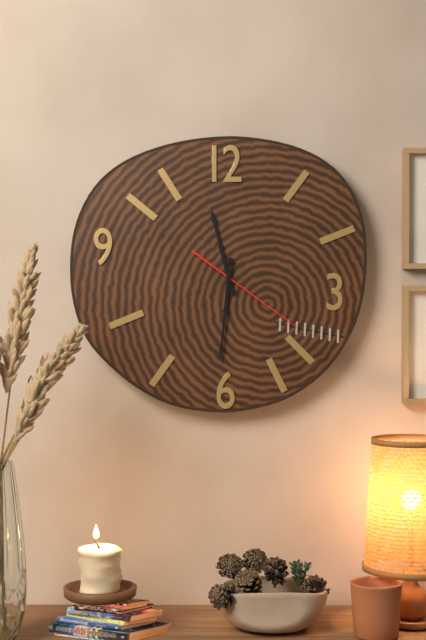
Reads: 11,31,21
